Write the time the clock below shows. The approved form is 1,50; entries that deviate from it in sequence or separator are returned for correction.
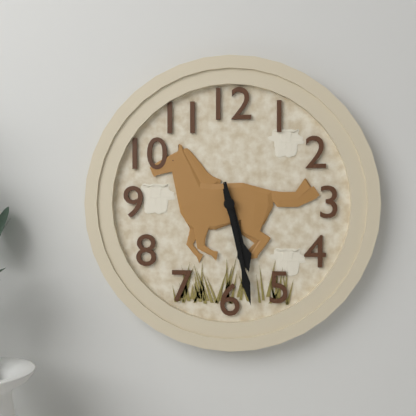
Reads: 5,28
